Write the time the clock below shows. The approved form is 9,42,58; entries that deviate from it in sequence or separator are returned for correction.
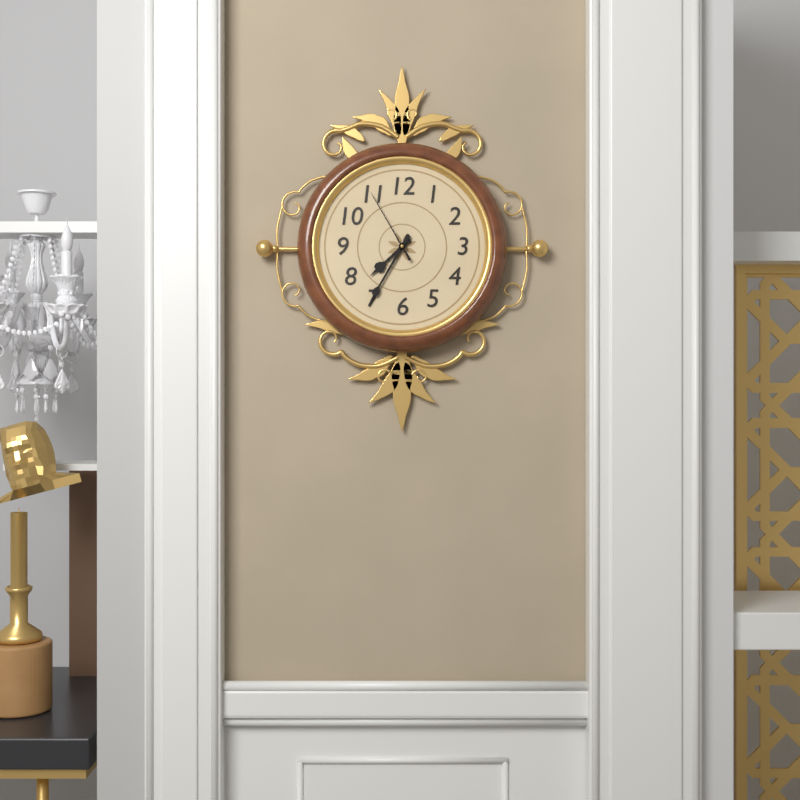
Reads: 7,35,55
